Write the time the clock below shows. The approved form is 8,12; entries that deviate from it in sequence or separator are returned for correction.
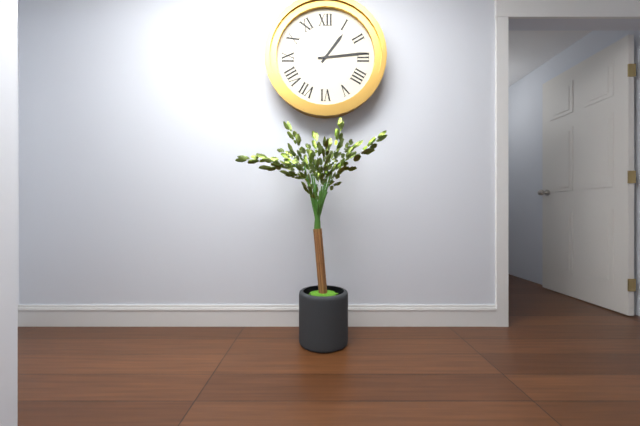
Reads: 1,14
